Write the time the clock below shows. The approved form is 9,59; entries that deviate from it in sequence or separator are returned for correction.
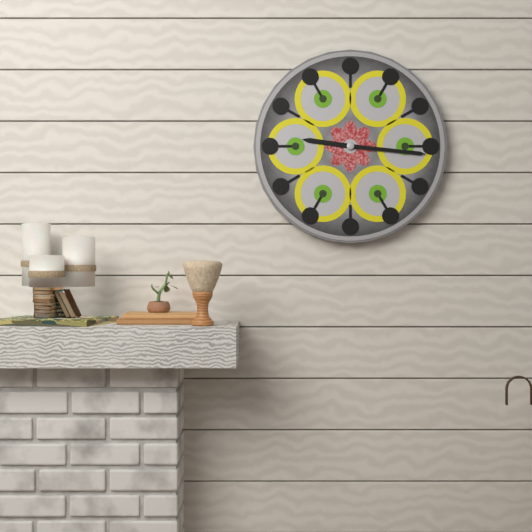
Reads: 9,16
